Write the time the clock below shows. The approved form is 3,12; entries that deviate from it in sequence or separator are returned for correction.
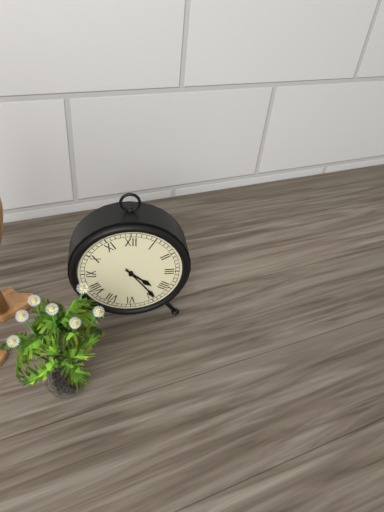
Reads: 4,24
